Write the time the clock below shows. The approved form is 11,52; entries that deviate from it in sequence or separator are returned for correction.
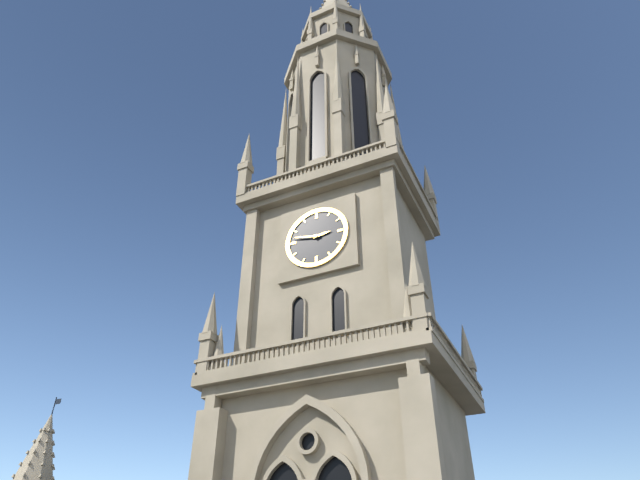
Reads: 2,47
